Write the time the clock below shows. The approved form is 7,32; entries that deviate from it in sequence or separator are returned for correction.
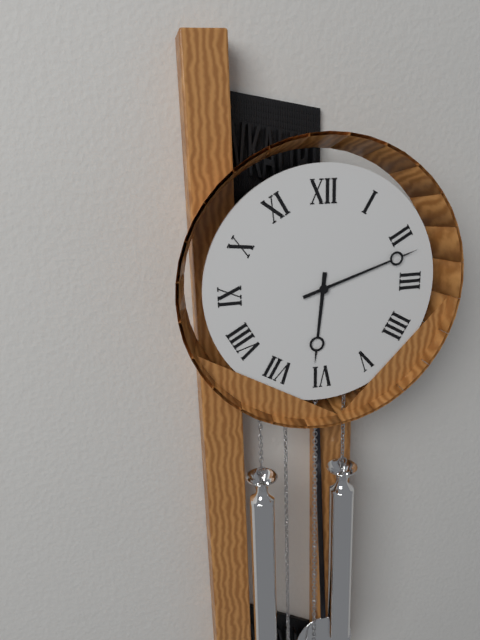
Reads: 6,12
